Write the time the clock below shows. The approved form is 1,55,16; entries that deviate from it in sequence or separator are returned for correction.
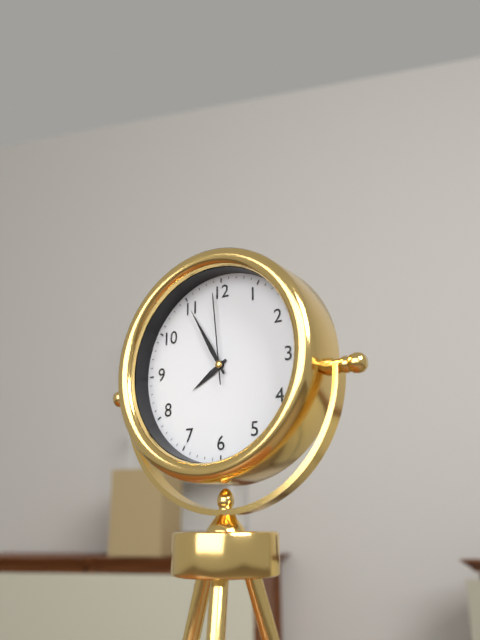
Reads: 7,55,59
